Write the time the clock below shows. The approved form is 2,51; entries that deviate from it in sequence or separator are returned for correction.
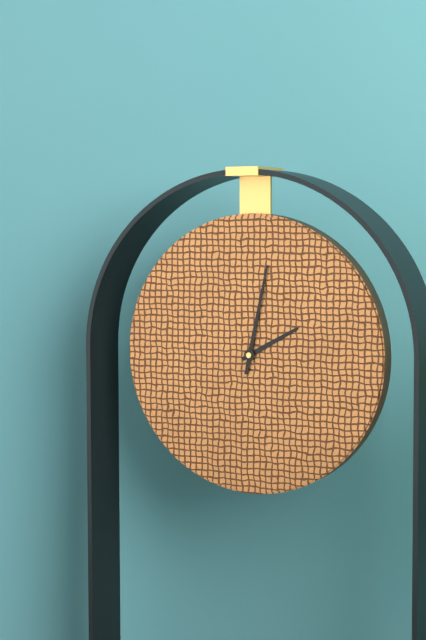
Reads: 2,02
